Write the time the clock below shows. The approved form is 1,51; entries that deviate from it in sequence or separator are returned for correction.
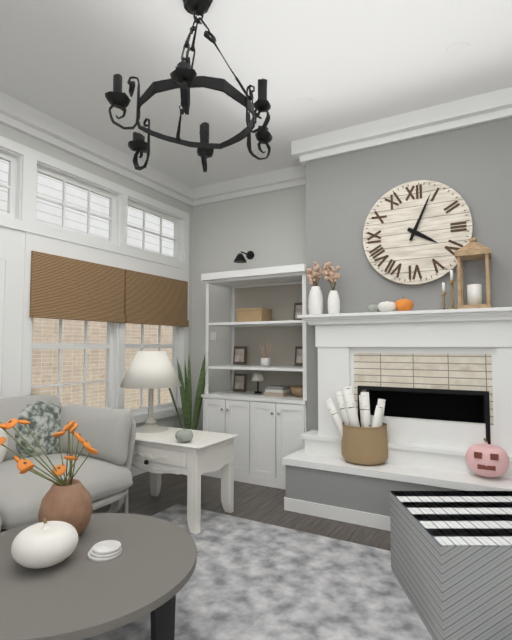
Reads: 4,04
